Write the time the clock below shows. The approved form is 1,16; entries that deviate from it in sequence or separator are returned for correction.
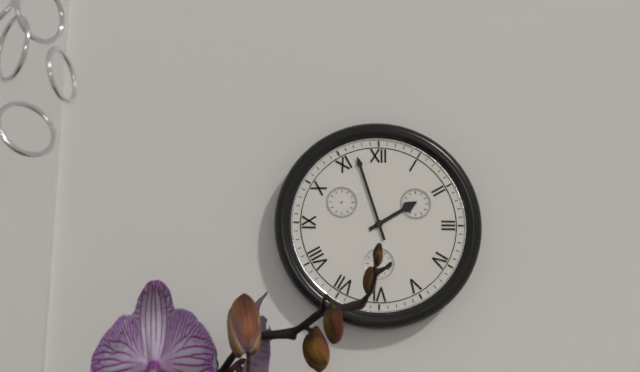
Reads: 1,57
